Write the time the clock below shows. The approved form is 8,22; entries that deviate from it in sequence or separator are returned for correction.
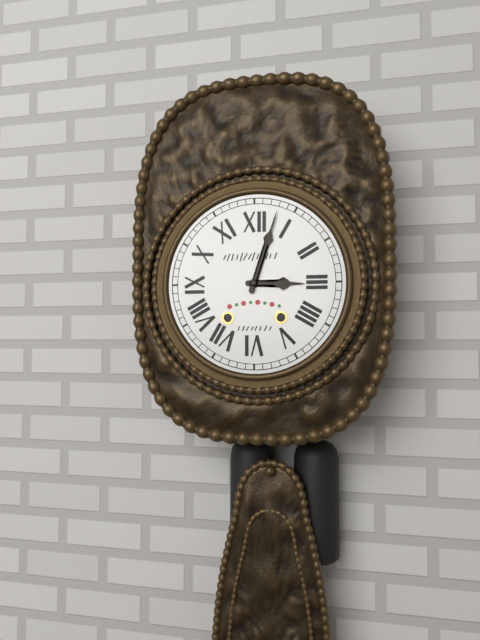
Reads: 3,03
